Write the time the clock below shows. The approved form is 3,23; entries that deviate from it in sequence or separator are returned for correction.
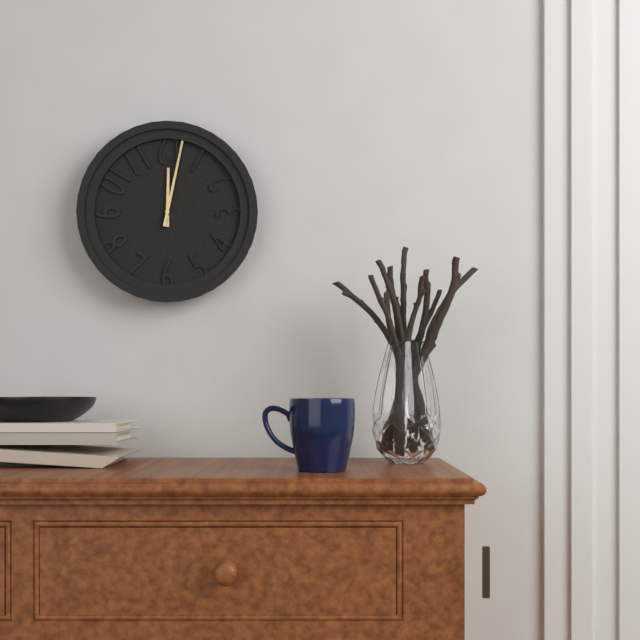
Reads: 12,02
